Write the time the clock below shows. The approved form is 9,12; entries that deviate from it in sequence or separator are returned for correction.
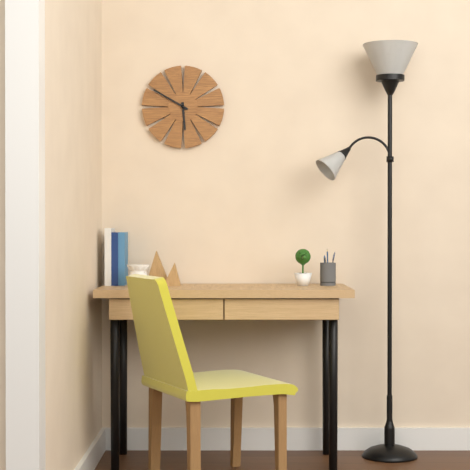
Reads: 5,50
